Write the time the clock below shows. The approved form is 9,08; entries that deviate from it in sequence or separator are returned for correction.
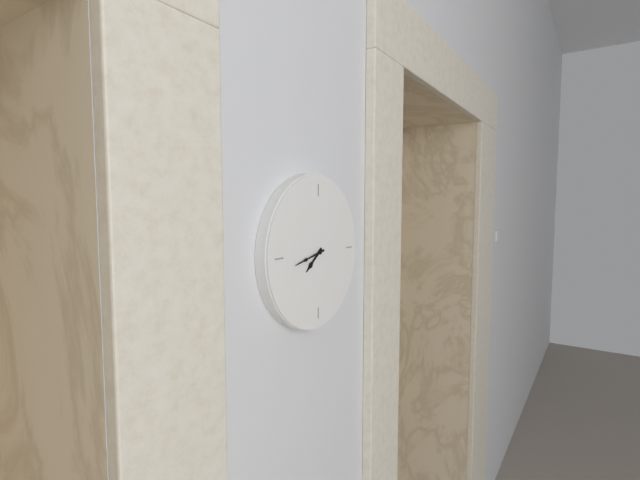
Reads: 7,43
